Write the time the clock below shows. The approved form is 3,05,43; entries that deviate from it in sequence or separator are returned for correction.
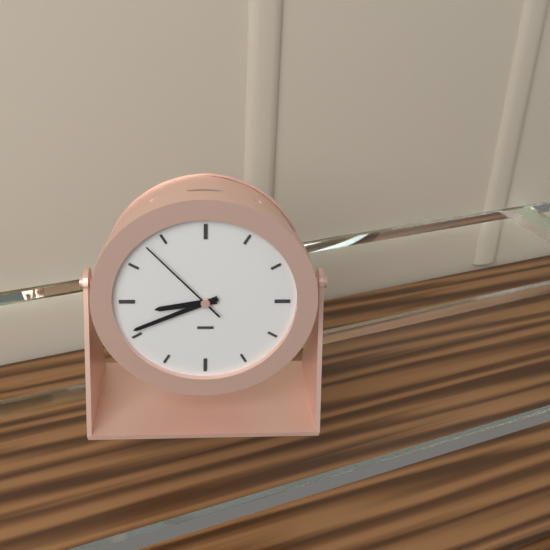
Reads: 8,41,53
